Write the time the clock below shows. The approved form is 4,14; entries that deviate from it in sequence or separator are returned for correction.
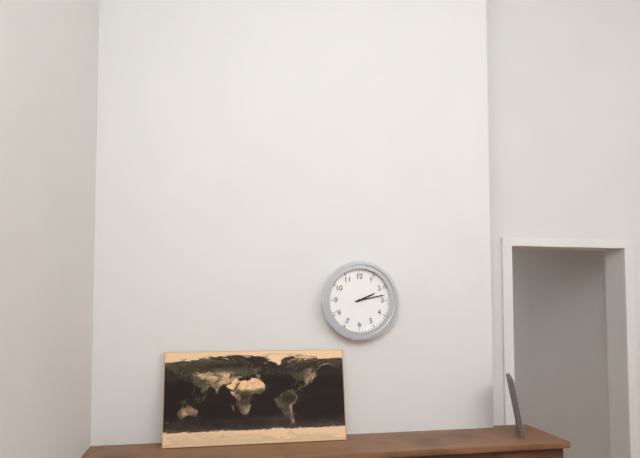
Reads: 2,13
